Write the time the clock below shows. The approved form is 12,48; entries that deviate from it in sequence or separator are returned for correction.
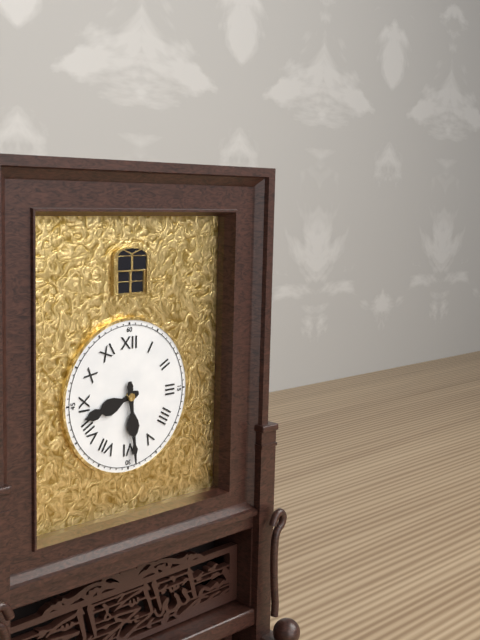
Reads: 8,29
